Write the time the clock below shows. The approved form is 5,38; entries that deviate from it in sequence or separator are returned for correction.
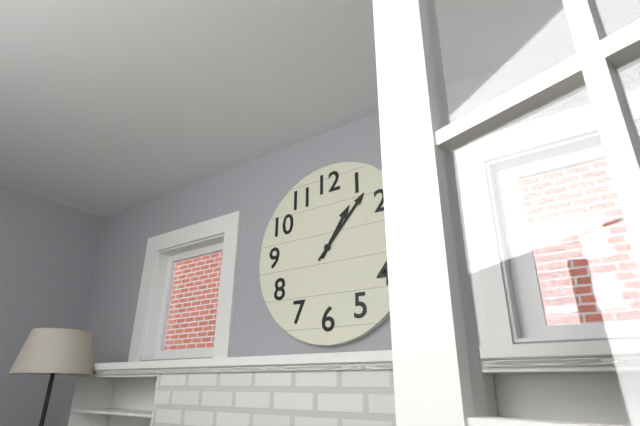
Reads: 1,07
